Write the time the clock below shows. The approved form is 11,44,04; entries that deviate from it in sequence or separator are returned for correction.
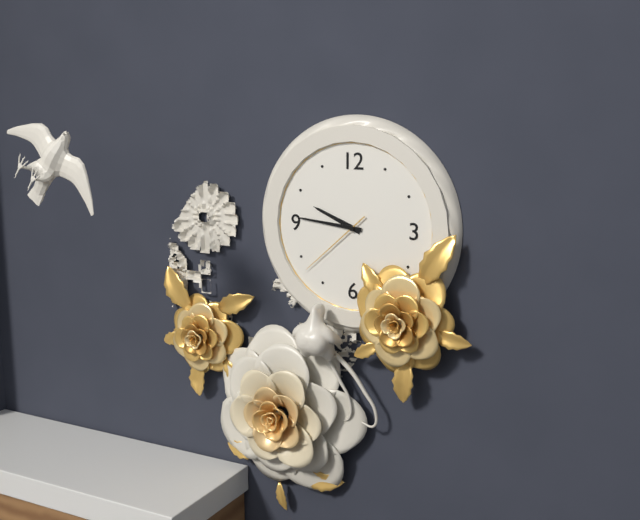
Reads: 9,46,38
